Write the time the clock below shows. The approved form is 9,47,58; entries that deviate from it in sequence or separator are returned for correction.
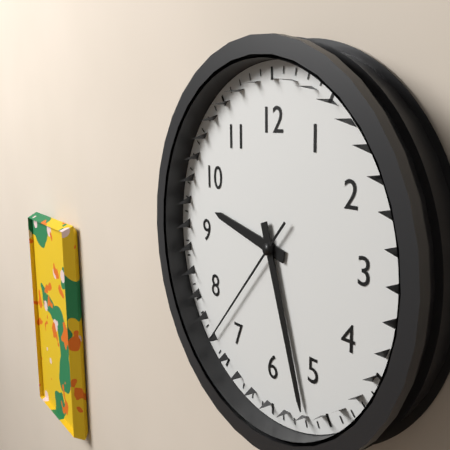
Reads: 9,27,37
